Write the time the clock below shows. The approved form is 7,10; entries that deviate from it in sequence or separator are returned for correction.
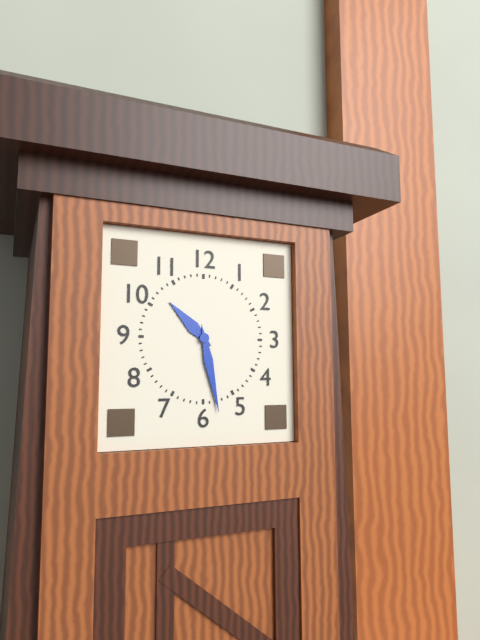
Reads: 10,28
